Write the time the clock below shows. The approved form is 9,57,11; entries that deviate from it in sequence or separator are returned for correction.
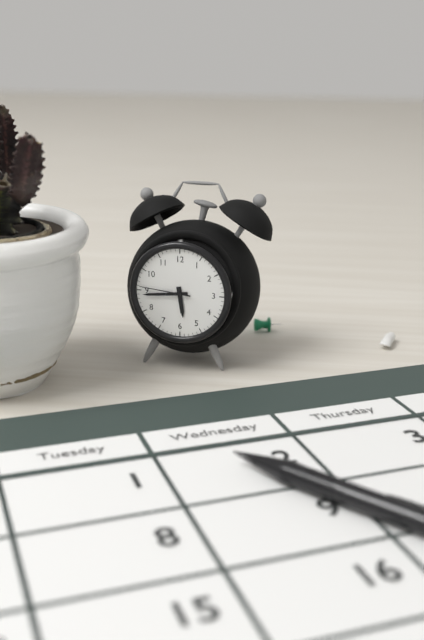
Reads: 5,44,46
